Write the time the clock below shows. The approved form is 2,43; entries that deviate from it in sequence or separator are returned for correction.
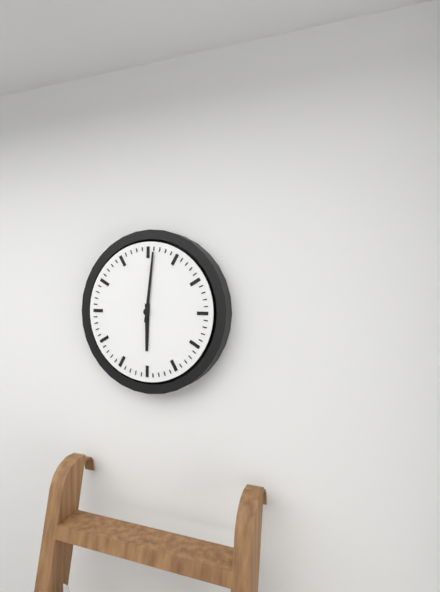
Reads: 6,01
